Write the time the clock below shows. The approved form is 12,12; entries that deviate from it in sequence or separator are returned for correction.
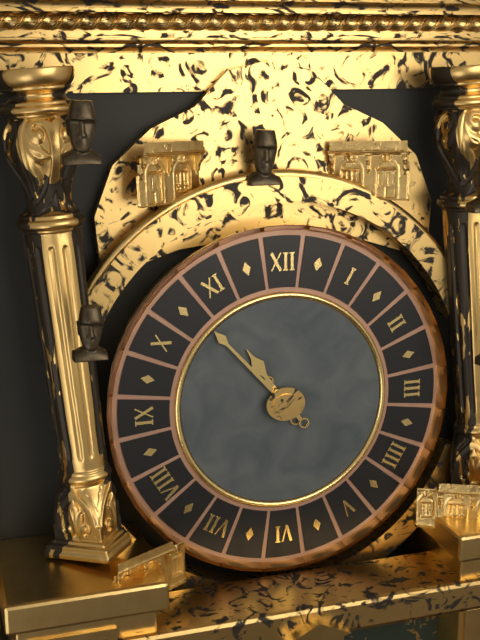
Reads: 10,53
